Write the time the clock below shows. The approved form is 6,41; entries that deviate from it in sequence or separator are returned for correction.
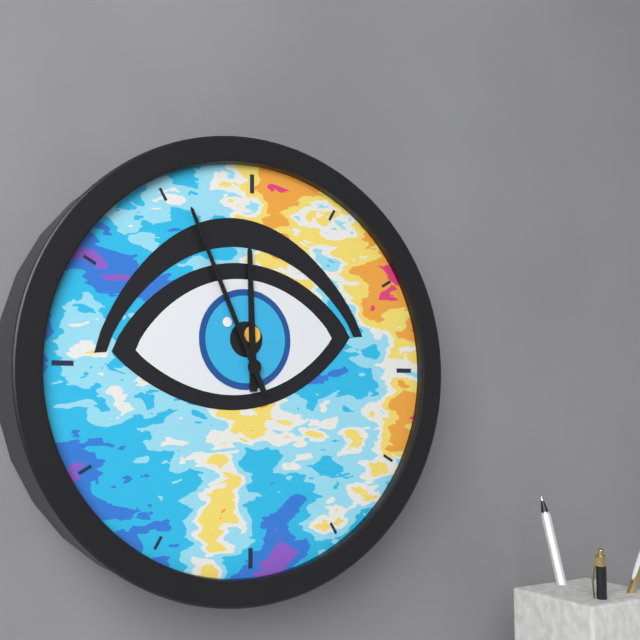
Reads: 11,56
